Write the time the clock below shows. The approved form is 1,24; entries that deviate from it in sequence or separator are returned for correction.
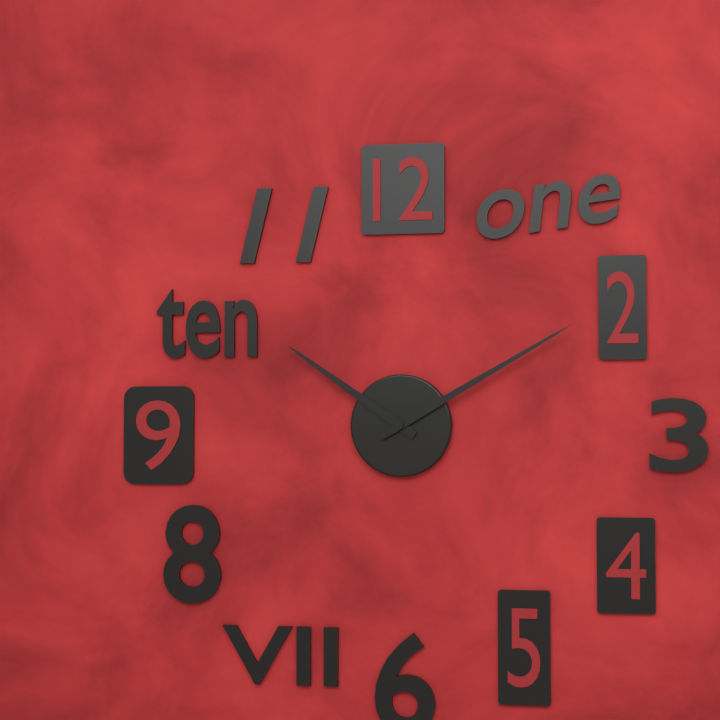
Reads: 10,10
